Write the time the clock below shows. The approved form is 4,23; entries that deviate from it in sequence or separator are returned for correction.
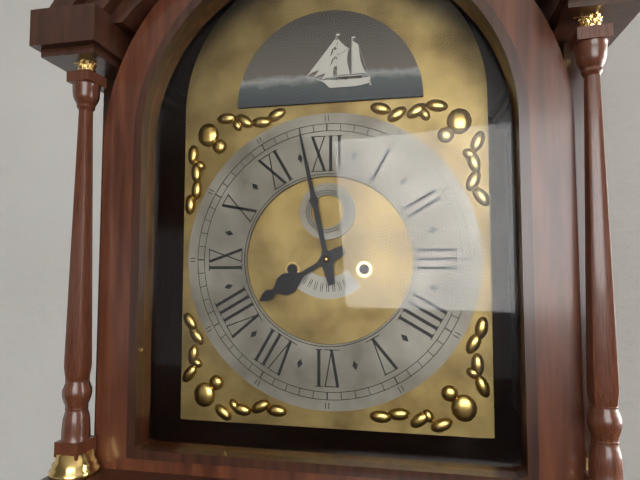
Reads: 7,58
